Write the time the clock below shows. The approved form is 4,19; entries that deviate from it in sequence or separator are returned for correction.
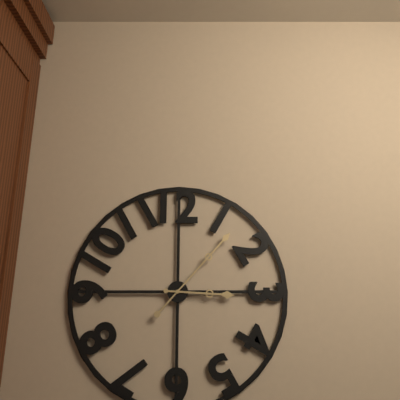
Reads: 3,07
